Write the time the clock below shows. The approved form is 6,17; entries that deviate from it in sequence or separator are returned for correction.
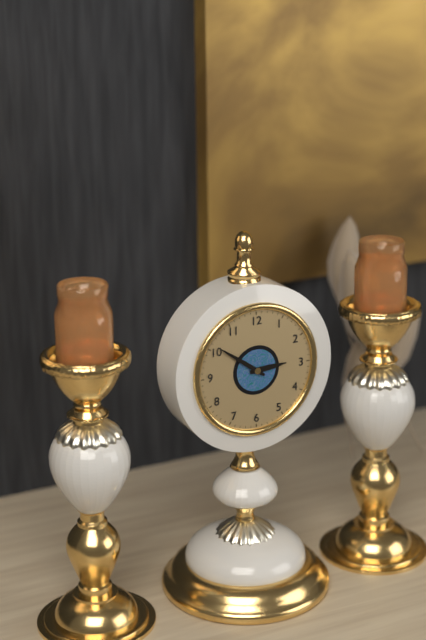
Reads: 2,51
